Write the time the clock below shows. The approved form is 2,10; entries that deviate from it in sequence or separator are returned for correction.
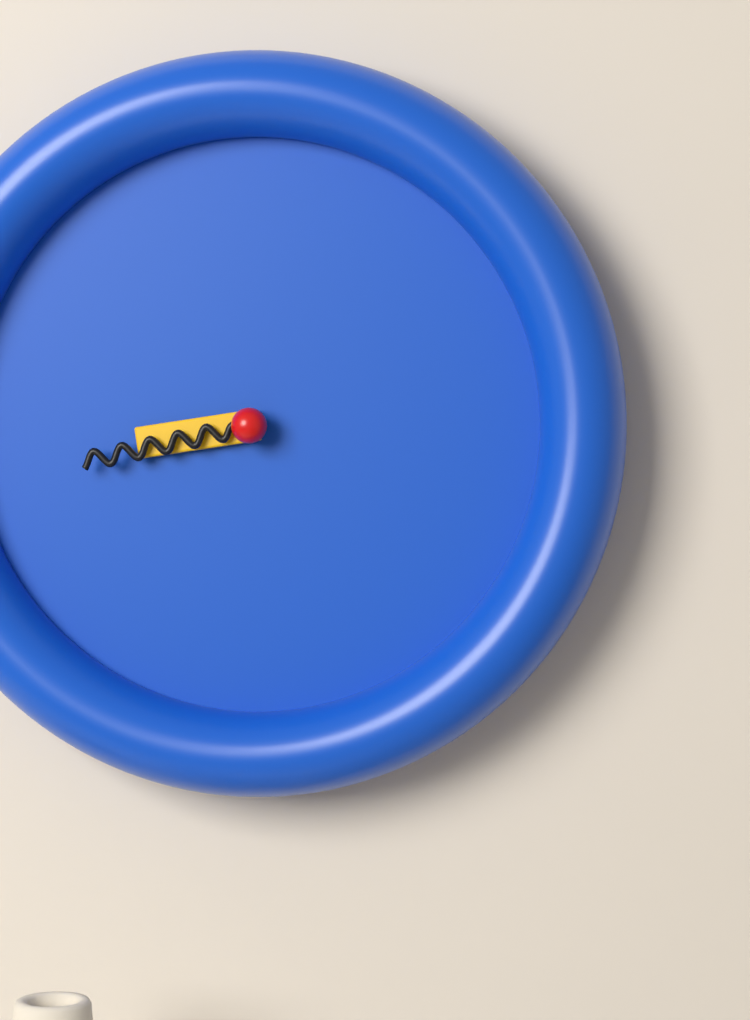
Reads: 8,43
